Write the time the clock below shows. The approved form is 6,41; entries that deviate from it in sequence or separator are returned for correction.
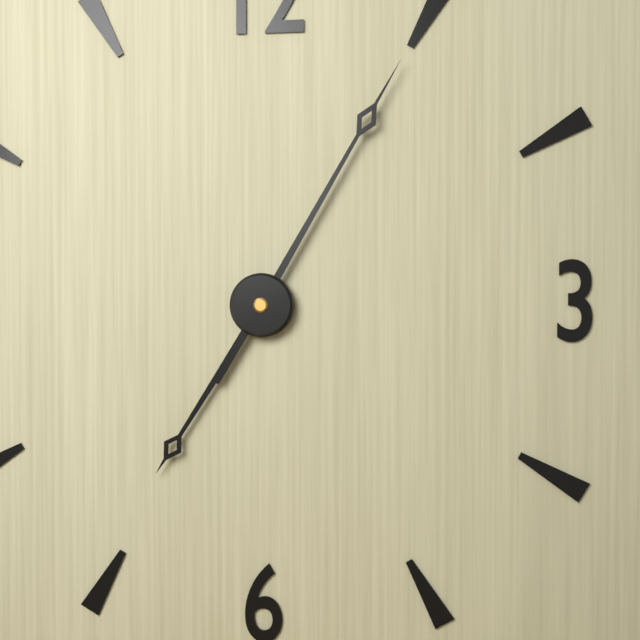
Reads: 7,05
